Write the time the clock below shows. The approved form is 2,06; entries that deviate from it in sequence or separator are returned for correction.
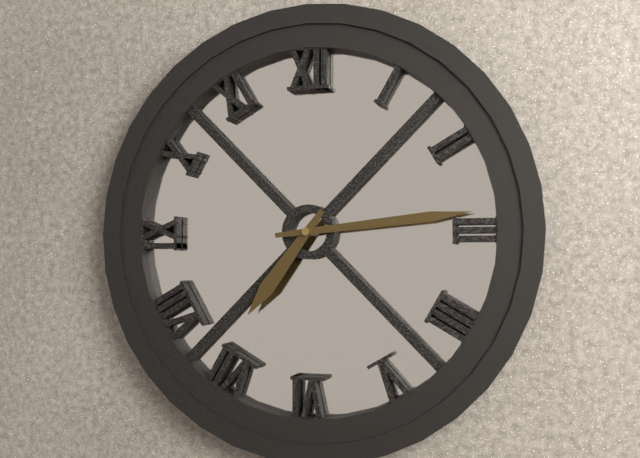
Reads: 7,14
